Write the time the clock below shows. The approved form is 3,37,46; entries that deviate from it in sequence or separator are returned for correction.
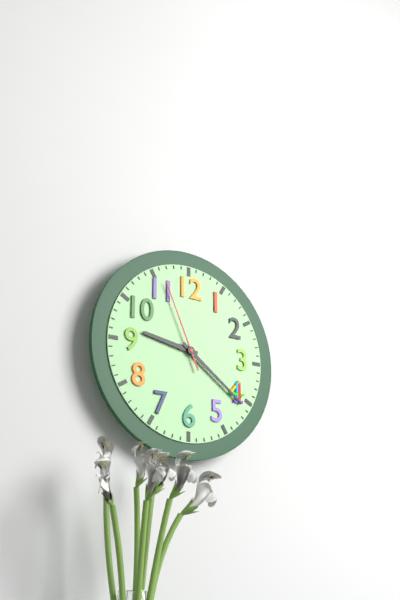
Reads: 9,21,56
